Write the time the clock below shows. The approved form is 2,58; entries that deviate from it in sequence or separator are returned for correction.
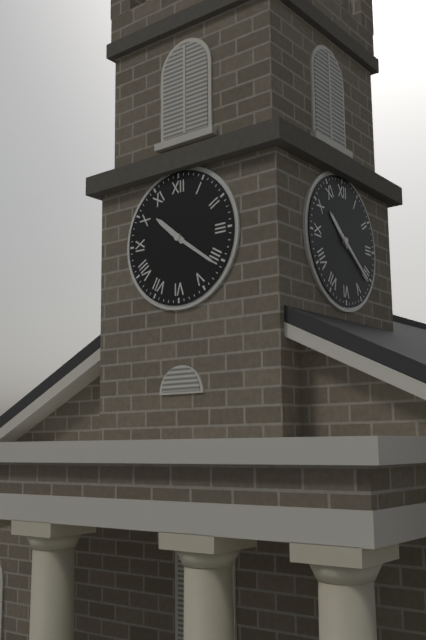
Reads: 10,21
